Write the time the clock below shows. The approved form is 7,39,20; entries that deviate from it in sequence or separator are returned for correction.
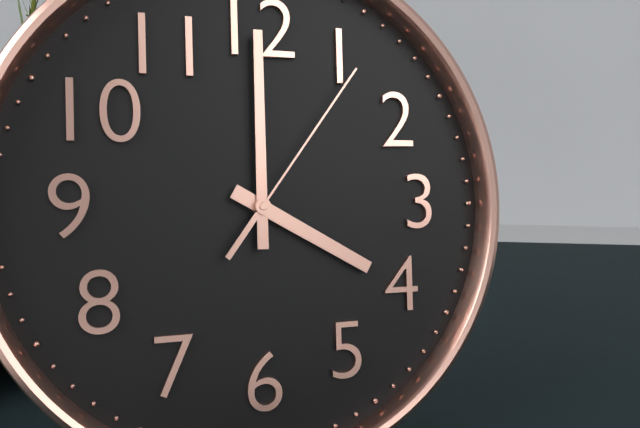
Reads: 4,00,06
